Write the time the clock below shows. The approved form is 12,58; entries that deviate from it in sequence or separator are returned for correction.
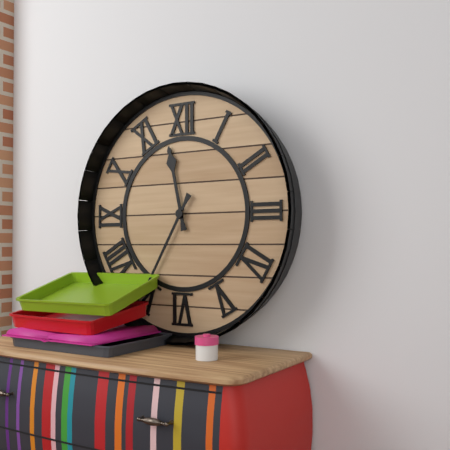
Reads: 11,35
